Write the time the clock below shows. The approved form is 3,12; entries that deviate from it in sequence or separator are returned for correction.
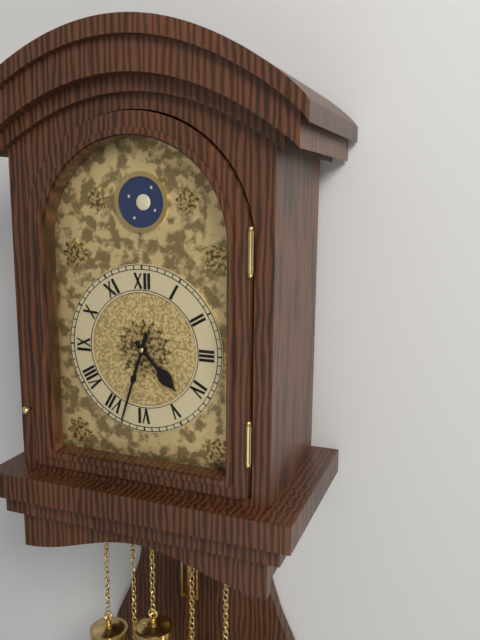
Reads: 4,33
